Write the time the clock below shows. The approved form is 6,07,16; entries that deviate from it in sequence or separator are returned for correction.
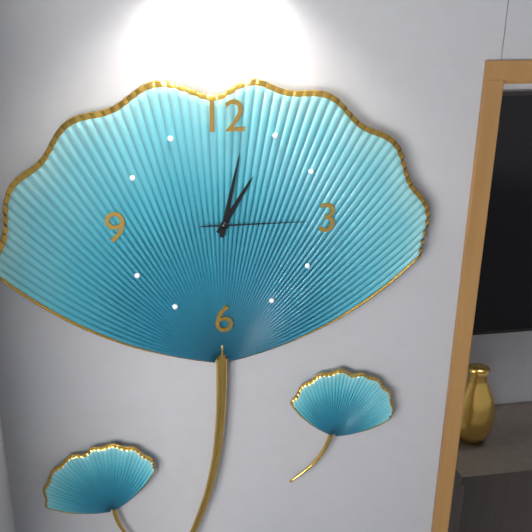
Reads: 1,02,15
